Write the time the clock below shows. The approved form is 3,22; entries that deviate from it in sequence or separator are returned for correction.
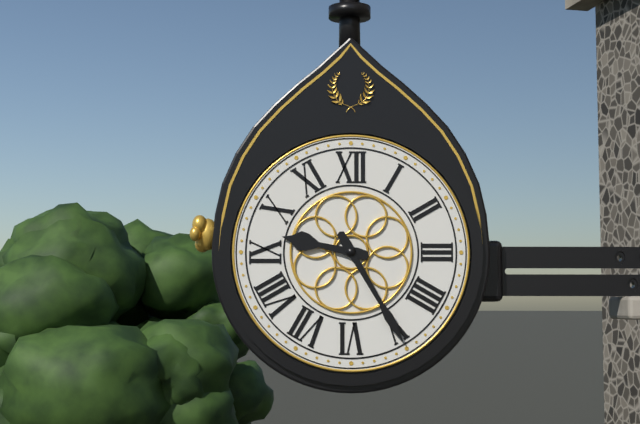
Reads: 9,25
